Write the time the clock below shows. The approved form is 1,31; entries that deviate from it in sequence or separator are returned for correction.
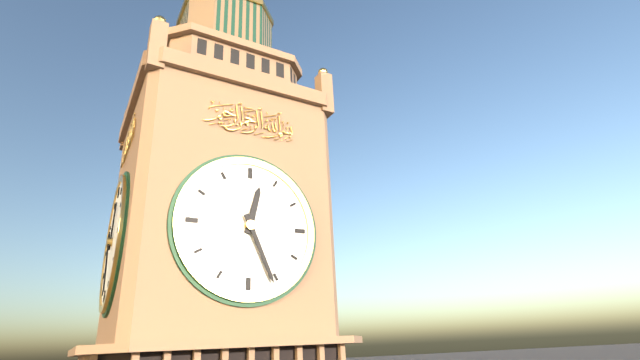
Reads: 12,26
